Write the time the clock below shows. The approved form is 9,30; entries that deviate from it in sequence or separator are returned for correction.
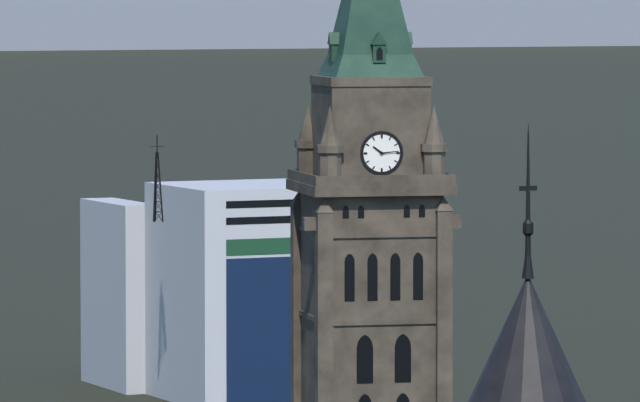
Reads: 10,14
